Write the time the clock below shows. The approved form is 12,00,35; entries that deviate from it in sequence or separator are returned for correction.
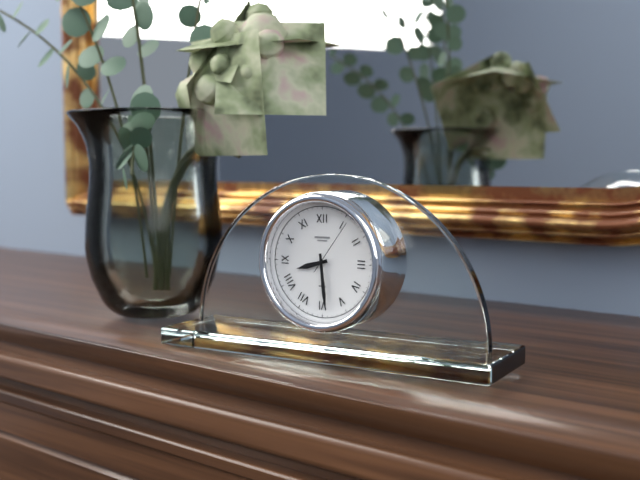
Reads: 8,29,06
